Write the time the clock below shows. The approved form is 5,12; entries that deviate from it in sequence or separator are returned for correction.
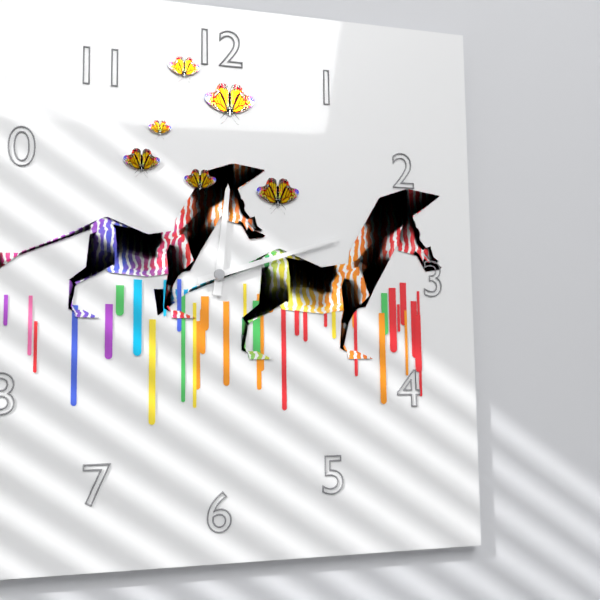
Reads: 12,12
